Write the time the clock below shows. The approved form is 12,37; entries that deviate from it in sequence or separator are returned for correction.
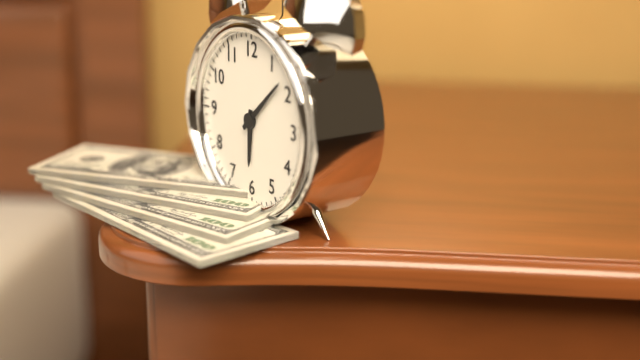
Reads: 6,08
